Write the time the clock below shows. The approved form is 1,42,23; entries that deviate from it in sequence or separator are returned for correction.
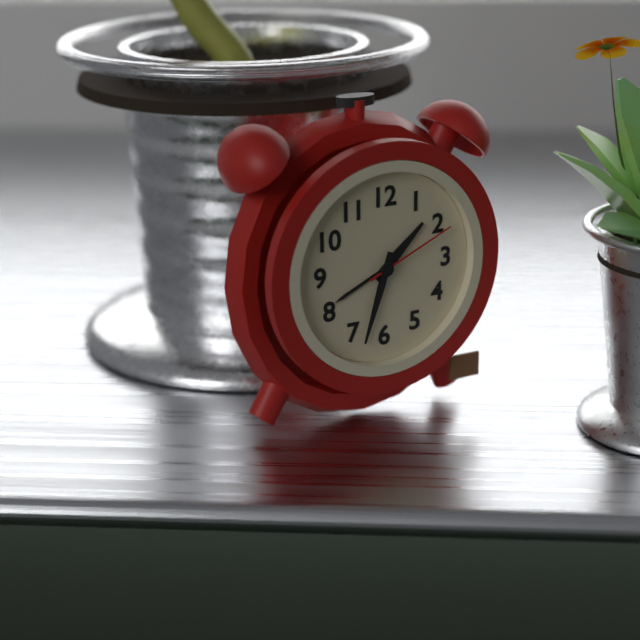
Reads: 1,33,11
